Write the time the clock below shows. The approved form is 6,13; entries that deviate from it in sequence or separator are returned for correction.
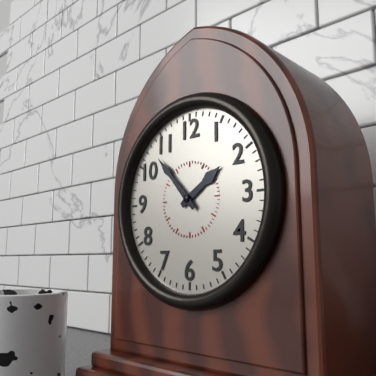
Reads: 1,53
